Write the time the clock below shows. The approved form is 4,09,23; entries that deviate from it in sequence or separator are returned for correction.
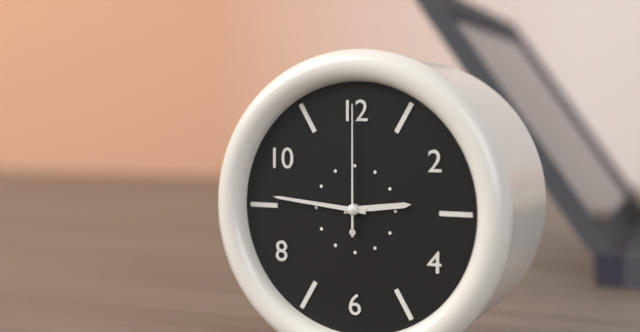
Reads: 2,46,00
